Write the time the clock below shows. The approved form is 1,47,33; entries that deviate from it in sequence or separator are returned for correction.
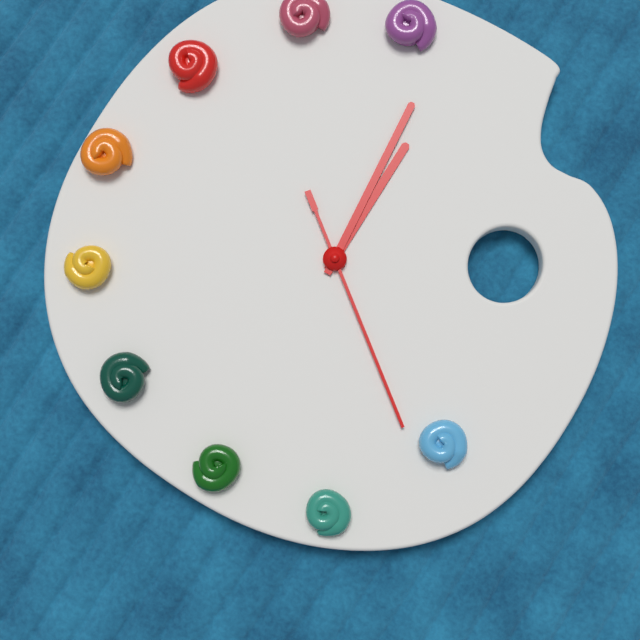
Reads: 11,59,21
